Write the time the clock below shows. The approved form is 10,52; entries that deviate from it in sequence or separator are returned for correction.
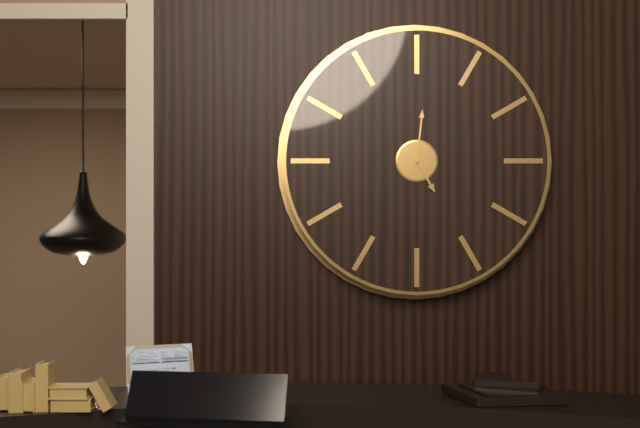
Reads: 5,01
